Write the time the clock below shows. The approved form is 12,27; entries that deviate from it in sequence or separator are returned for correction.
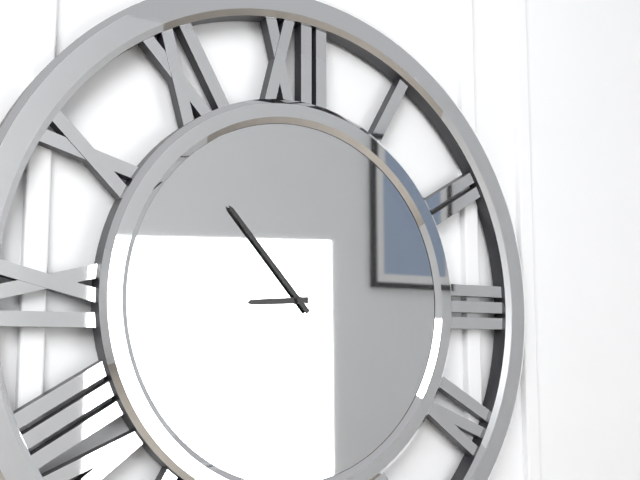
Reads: 8,53
